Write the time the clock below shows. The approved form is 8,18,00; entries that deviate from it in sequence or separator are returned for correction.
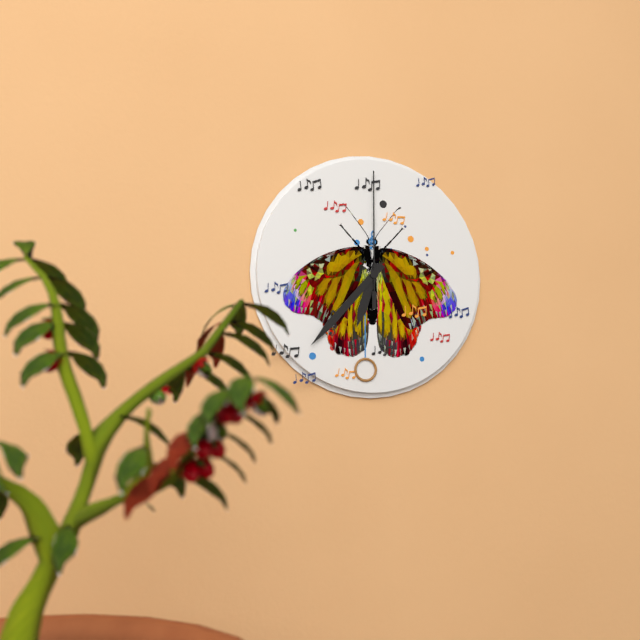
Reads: 6,37,00
